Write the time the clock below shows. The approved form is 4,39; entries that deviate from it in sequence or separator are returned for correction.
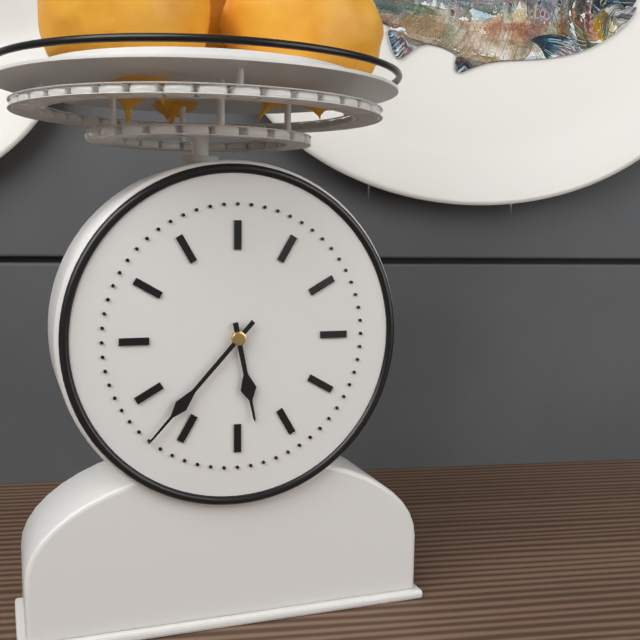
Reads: 5,37
